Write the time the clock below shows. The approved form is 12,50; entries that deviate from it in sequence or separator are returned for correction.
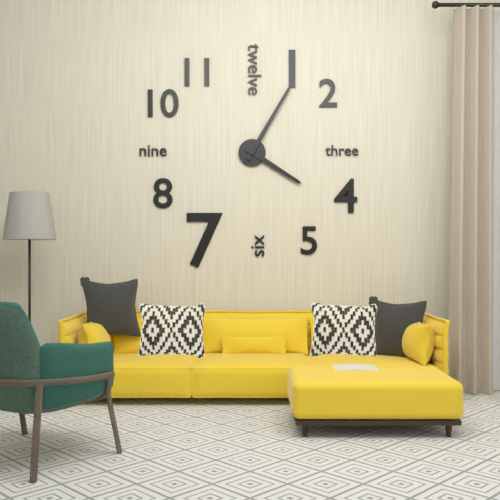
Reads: 4,05
